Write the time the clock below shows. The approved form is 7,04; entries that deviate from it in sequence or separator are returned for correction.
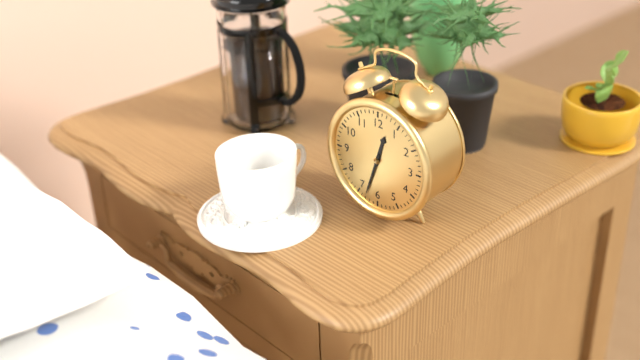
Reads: 12,33
